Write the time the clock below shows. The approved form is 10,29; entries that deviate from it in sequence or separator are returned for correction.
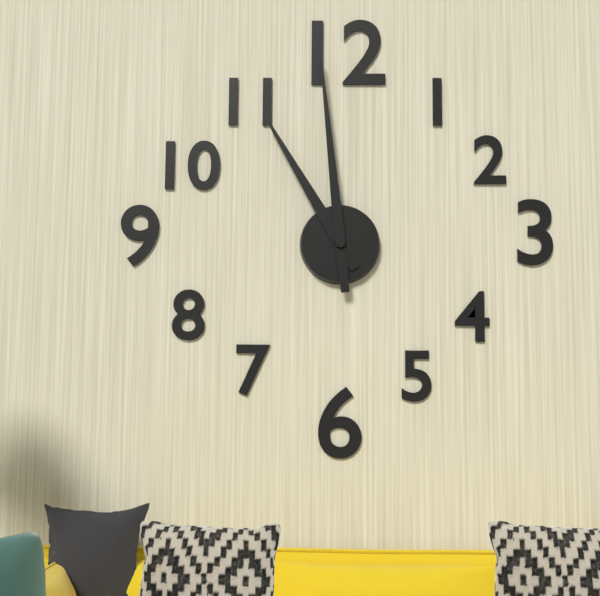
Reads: 10,59
